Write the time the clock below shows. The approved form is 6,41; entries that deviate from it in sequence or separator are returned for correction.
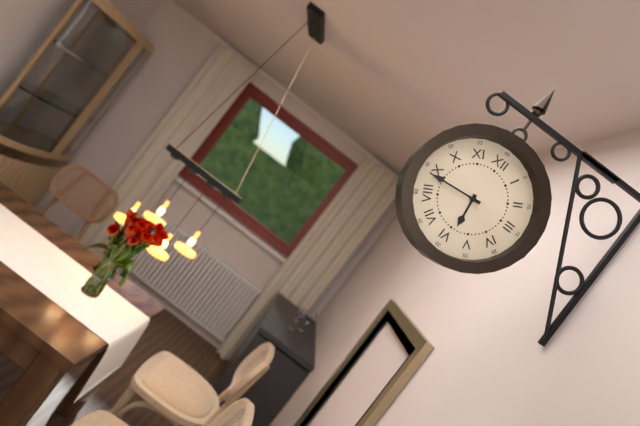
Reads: 5,44
